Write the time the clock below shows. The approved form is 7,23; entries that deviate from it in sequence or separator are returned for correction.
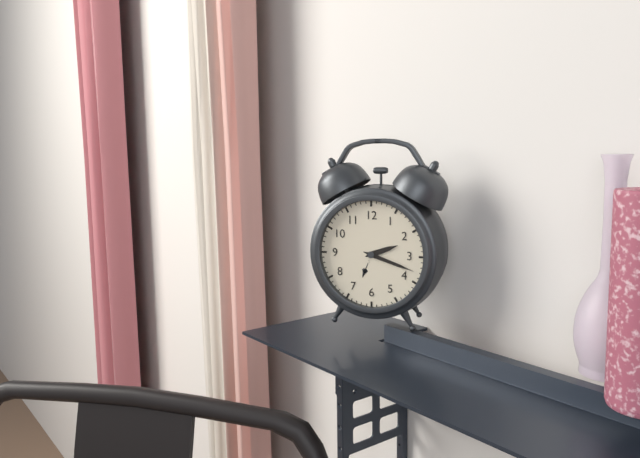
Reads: 2,18
